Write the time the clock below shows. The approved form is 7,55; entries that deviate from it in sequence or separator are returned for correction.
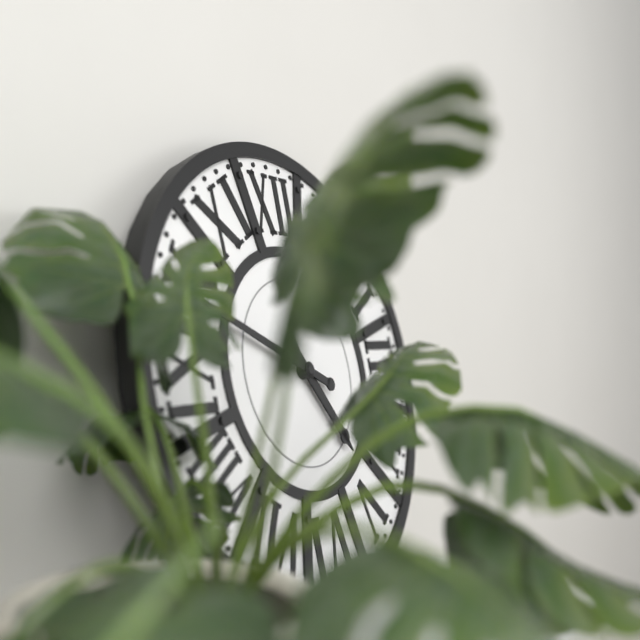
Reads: 4,49
